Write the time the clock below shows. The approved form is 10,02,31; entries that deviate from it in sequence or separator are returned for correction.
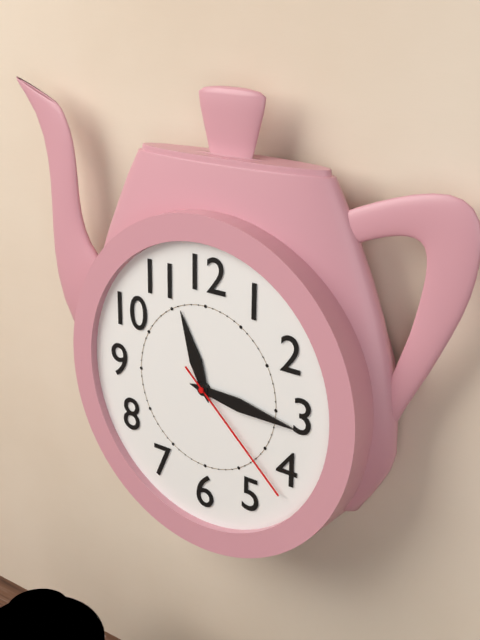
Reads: 11,16,22
